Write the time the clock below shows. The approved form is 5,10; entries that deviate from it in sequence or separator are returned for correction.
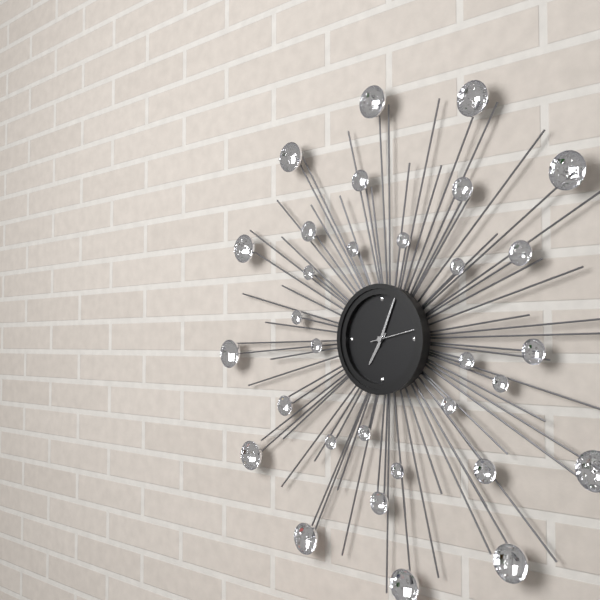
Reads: 7,04
